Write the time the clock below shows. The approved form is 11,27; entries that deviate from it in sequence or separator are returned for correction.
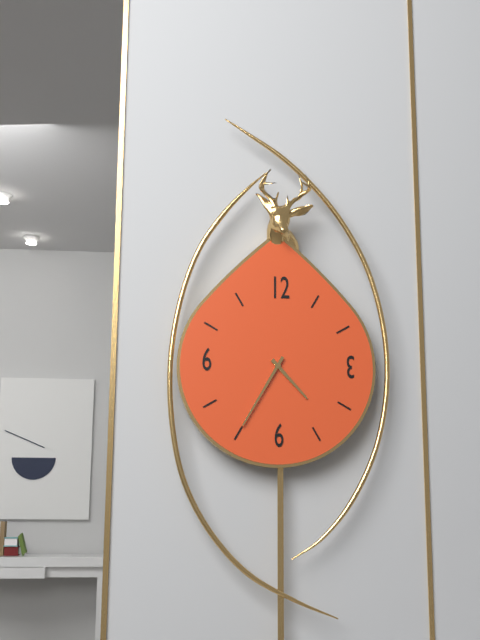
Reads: 4,35
